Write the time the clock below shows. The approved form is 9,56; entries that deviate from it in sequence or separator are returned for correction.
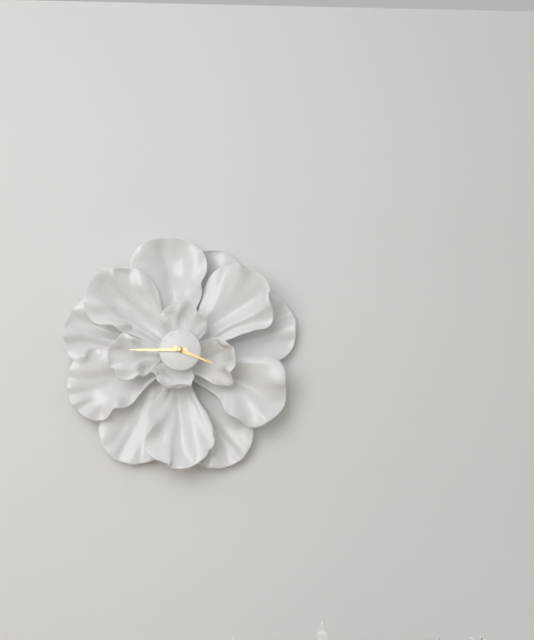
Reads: 3,45
